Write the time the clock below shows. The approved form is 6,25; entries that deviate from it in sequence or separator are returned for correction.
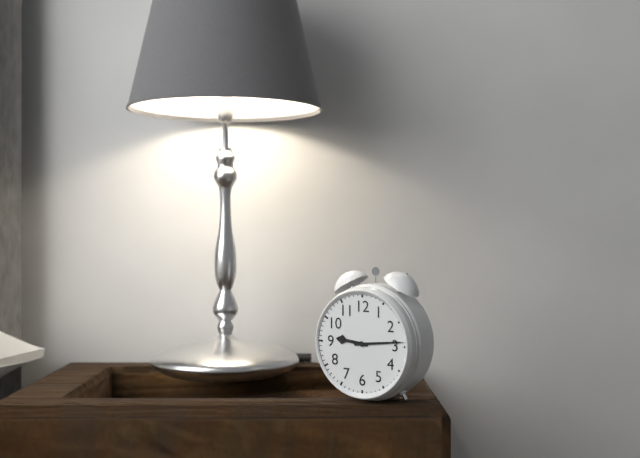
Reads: 9,14
